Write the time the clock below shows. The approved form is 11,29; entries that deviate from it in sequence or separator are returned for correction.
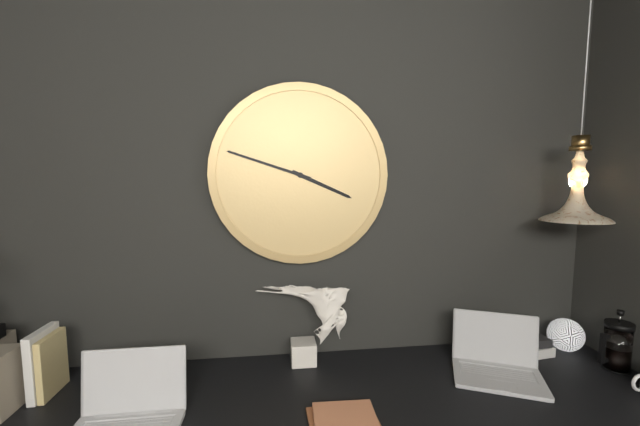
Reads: 3,48
